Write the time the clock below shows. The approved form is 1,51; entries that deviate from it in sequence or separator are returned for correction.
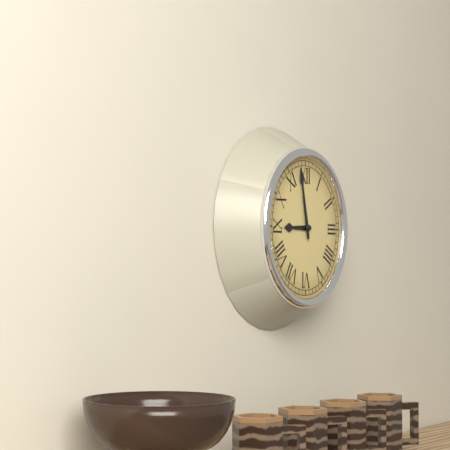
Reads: 8,58
